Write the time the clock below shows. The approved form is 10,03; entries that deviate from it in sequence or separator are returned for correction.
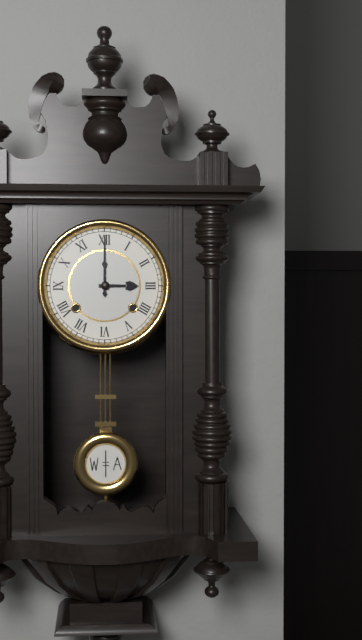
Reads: 3,00
